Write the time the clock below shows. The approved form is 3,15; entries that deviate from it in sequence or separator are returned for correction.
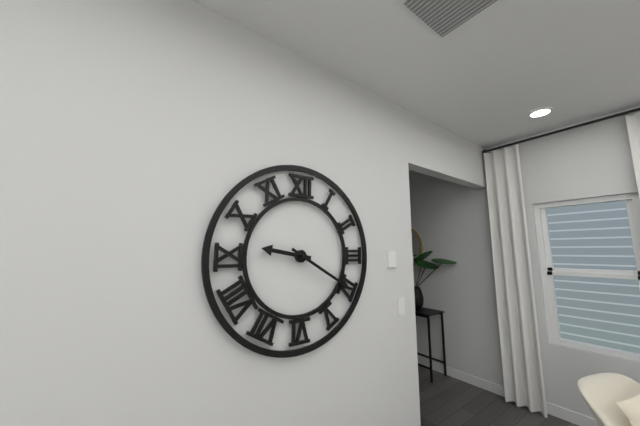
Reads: 9,20
